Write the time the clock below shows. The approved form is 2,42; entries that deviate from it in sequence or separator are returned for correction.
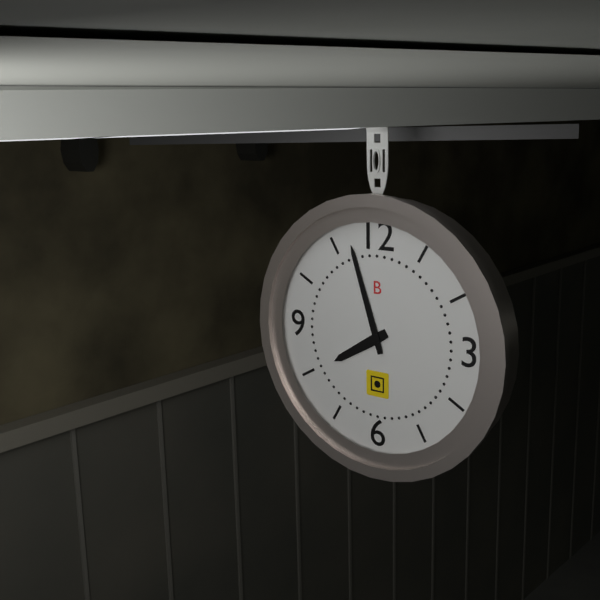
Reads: 7,57
